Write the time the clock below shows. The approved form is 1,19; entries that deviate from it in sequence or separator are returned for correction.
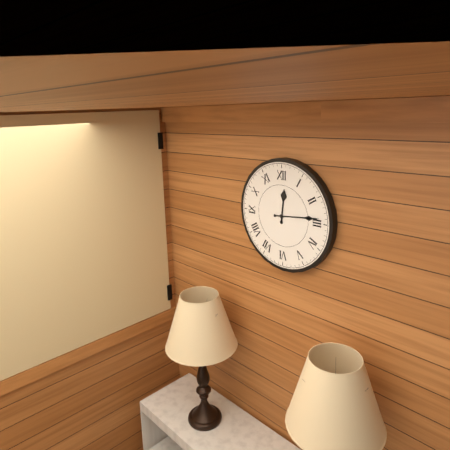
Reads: 12,14
